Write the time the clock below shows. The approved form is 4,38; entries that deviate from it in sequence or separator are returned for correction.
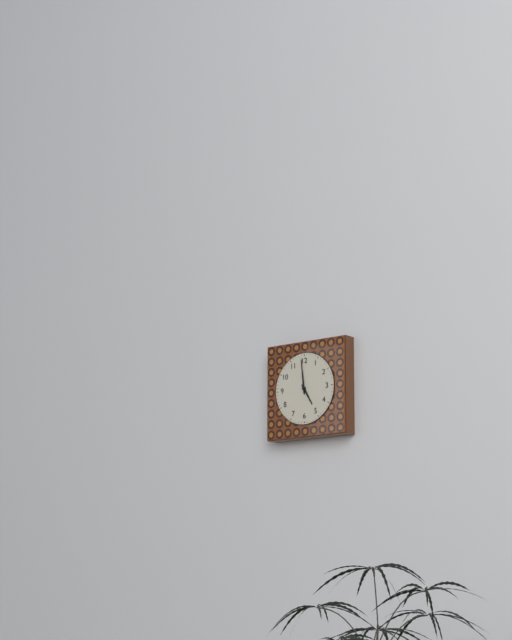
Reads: 4,59
